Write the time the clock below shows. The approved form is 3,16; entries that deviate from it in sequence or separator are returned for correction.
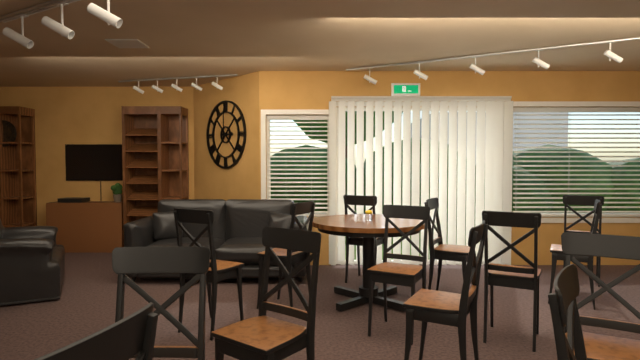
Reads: 3,00
